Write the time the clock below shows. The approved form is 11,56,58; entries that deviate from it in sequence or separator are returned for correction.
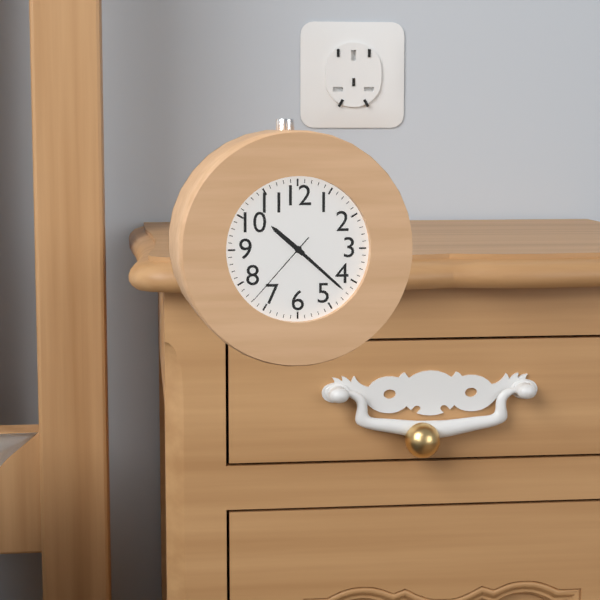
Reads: 10,22,37
